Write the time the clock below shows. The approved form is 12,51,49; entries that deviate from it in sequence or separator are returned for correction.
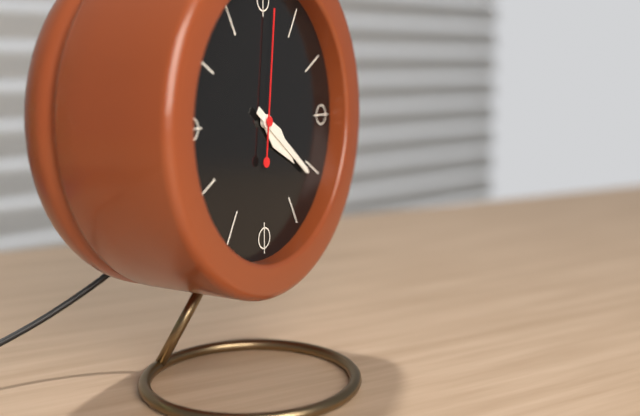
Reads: 4,21,01
